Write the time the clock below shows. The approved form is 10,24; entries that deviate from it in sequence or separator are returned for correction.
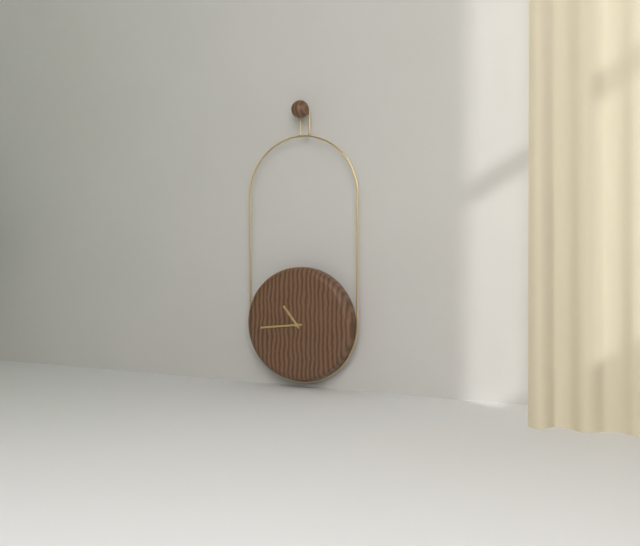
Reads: 10,44
